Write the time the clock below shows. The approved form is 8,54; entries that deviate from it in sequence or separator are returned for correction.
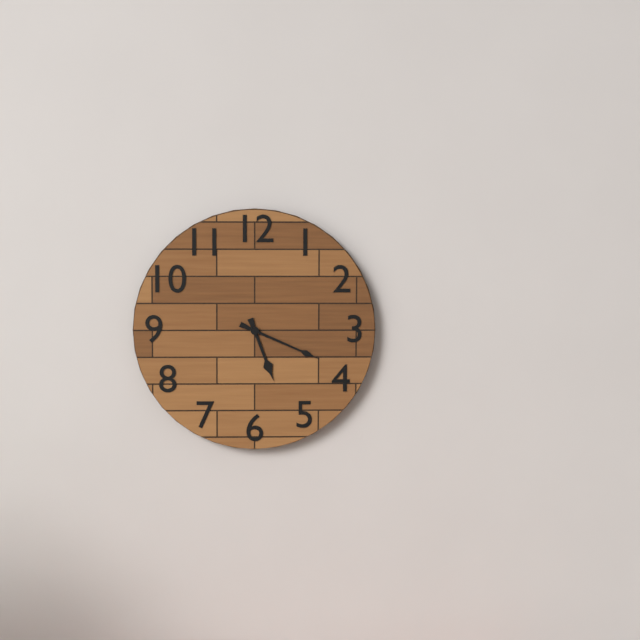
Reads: 5,19
